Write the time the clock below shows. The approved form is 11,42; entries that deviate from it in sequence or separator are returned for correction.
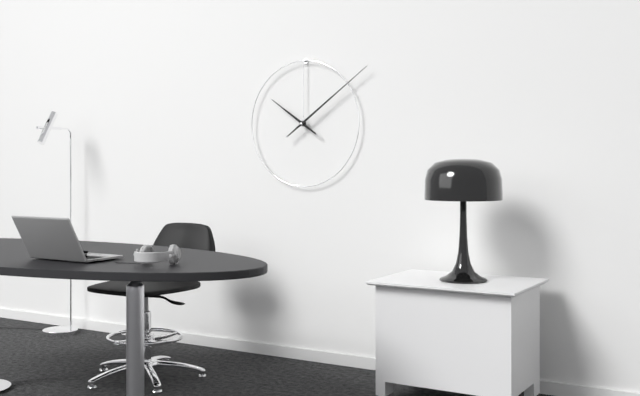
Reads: 10,09
